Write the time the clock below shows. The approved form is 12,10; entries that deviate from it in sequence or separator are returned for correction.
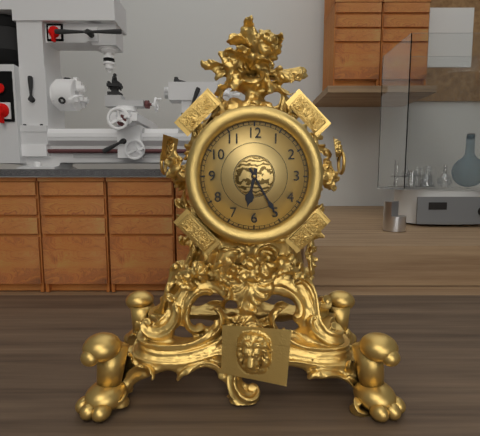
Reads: 6,25
